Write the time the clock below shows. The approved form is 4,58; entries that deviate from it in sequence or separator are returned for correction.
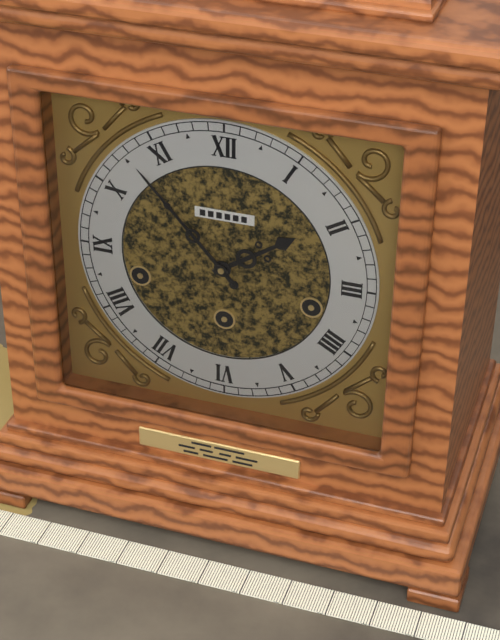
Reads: 1,53
